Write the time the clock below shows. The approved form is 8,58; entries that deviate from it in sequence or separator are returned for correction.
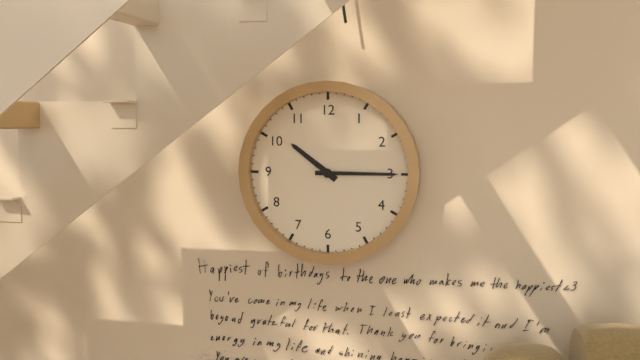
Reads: 10,15
